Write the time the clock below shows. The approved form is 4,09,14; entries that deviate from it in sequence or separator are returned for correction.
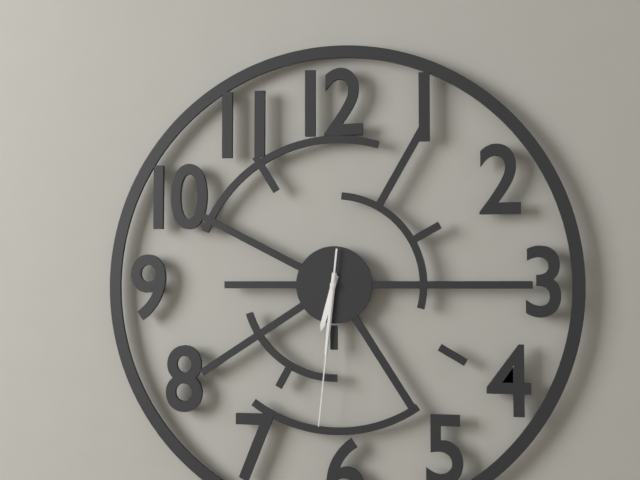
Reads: 6,31,31
